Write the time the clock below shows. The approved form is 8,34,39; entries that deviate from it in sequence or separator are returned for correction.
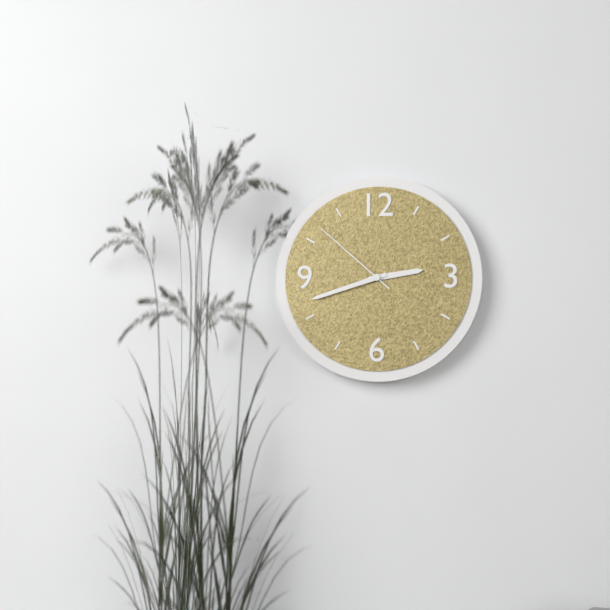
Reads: 2,42,52
